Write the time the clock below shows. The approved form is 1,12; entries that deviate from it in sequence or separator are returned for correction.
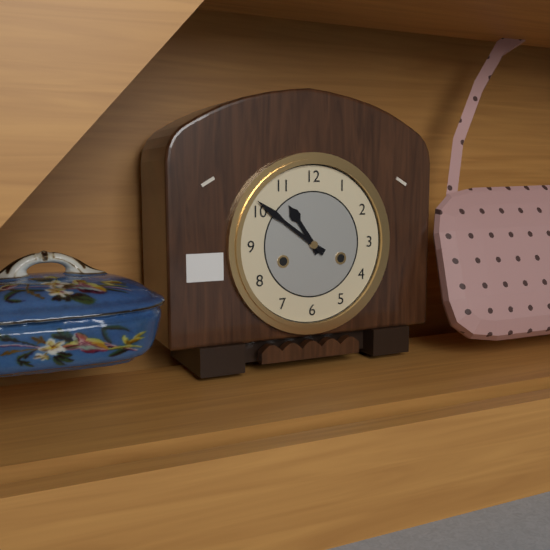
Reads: 10,51
